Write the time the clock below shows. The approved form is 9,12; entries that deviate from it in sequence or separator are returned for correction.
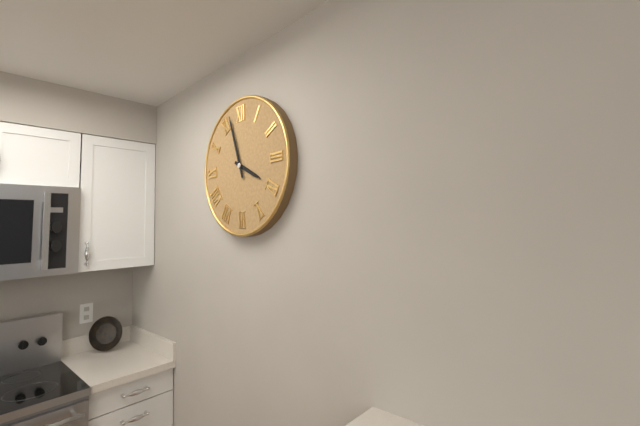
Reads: 3,57
